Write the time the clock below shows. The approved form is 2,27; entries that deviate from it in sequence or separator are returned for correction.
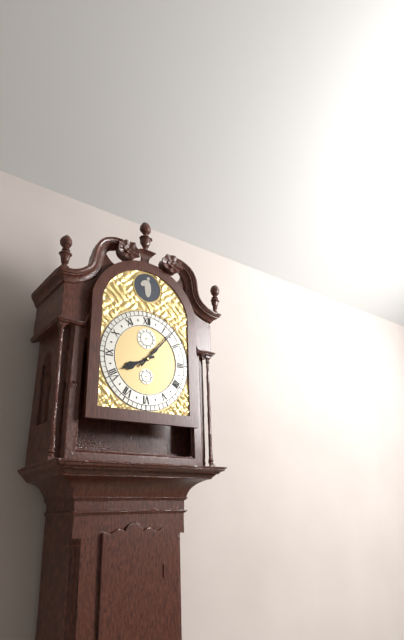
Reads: 8,07
